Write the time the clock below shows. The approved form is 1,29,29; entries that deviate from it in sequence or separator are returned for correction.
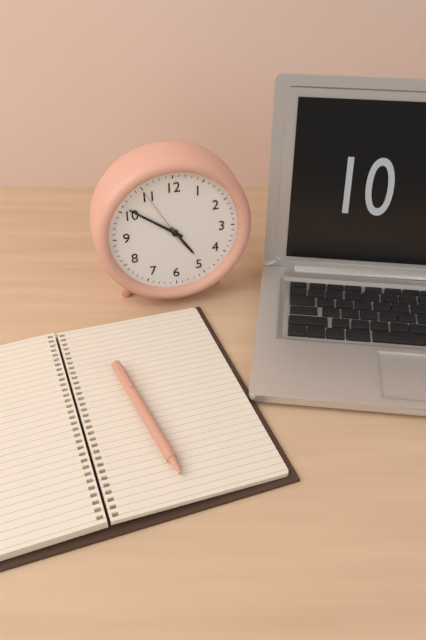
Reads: 4,51,55
